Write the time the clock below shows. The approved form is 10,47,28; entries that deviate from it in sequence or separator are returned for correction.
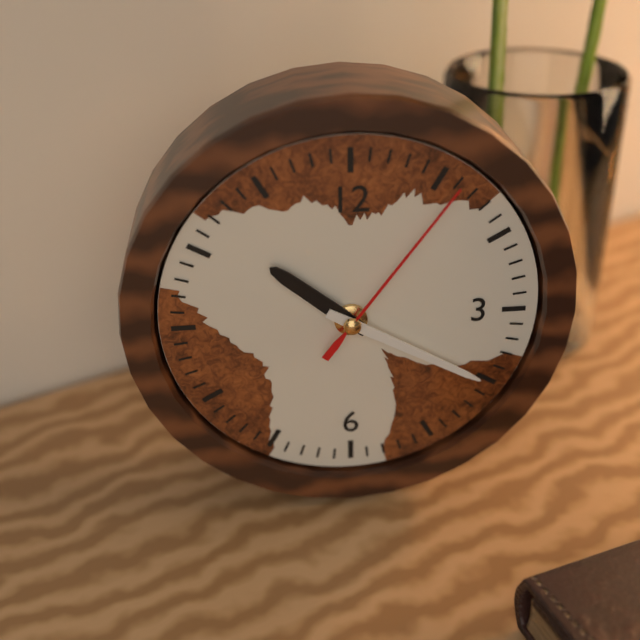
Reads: 10,20,06
